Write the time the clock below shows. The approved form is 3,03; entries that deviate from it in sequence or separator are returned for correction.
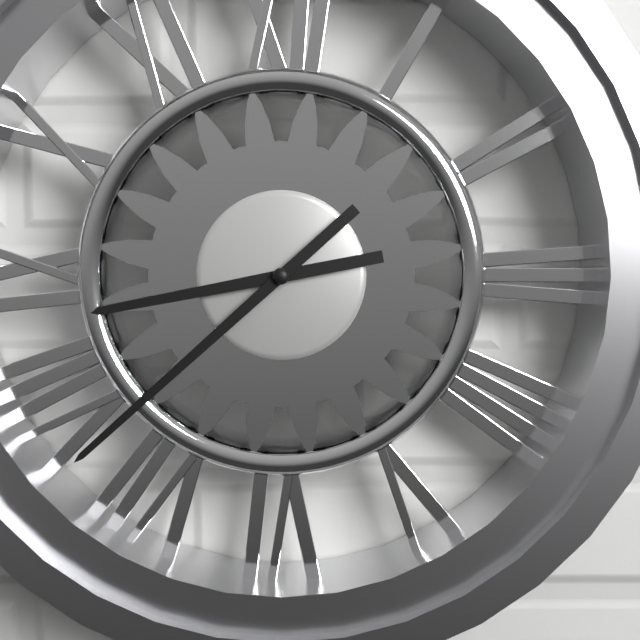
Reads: 8,38
